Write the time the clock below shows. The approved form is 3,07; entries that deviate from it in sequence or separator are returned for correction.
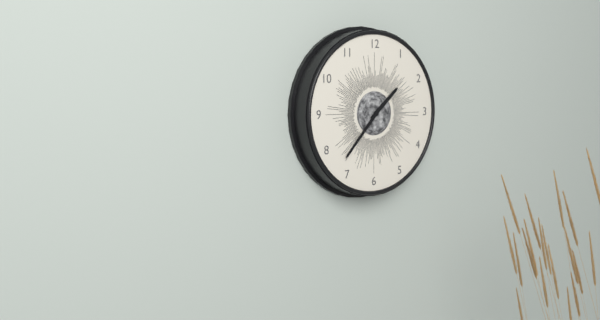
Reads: 1,37
